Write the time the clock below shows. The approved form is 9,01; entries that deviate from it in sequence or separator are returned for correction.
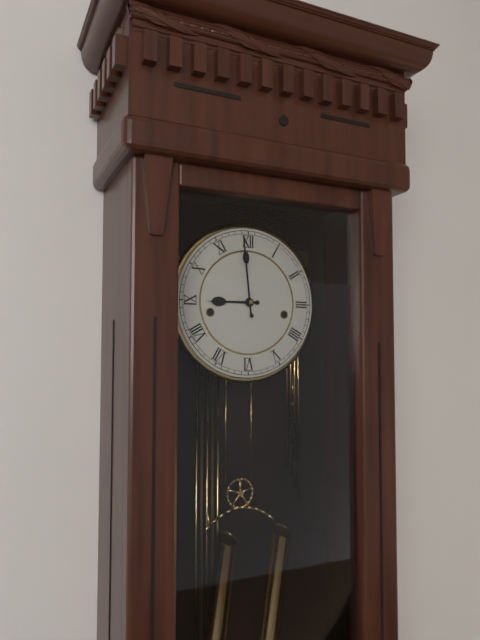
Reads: 8,59
